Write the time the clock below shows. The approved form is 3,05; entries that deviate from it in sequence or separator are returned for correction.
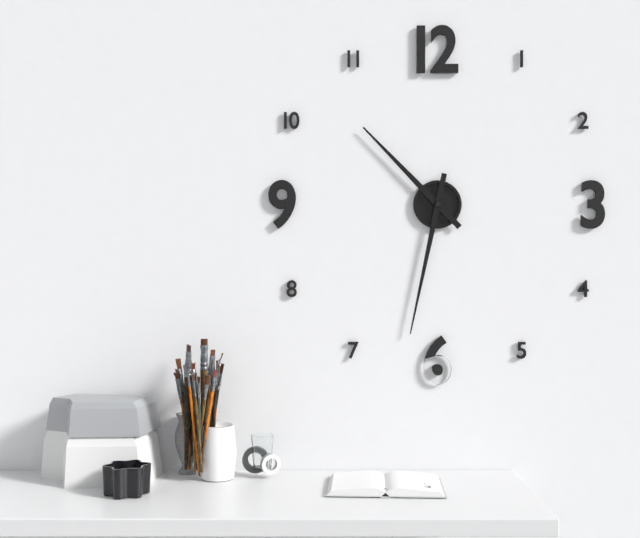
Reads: 10,32
